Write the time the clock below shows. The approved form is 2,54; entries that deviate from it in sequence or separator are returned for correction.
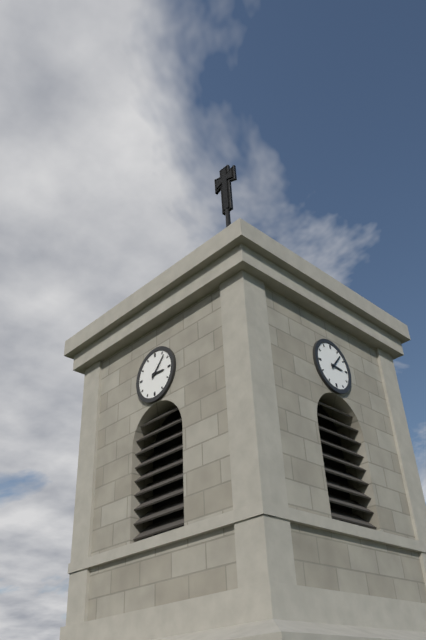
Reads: 3,07
